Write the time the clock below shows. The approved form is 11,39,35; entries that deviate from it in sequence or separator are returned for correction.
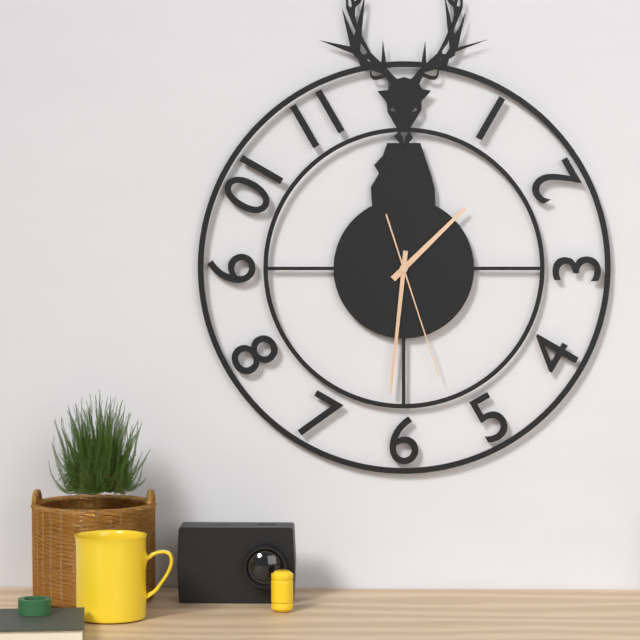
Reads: 1,31,27
